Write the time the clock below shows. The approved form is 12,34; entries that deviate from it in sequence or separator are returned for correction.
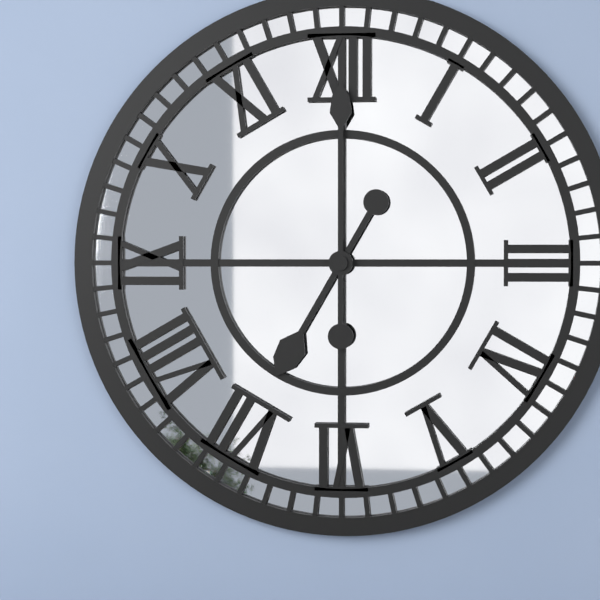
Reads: 7,00
